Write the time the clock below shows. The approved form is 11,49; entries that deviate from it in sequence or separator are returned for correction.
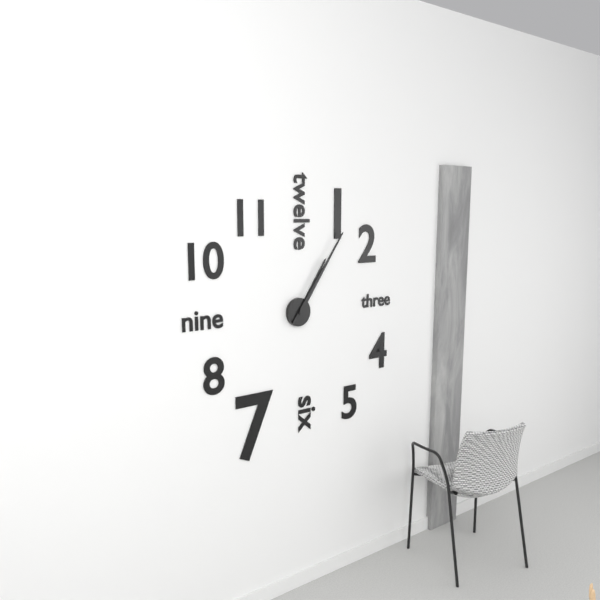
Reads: 1,06
